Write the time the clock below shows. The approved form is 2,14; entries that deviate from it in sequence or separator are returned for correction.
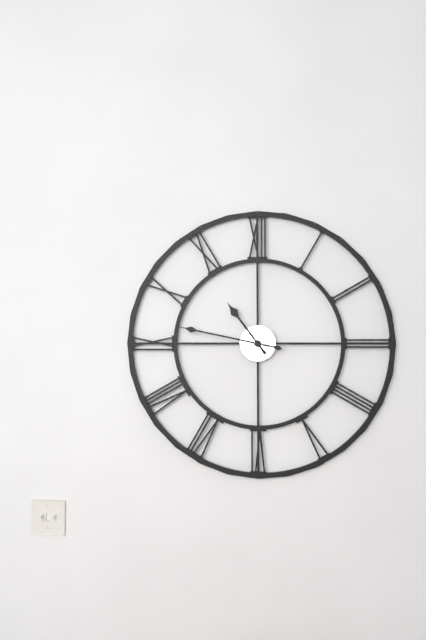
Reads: 10,47
